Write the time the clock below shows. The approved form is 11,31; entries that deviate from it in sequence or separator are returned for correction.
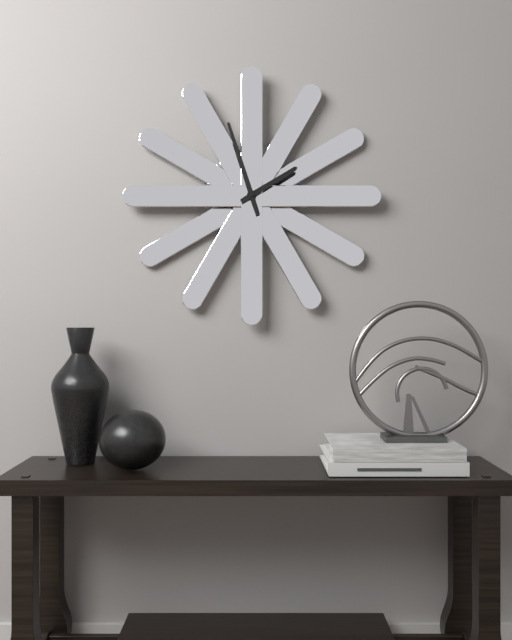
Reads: 1,57
